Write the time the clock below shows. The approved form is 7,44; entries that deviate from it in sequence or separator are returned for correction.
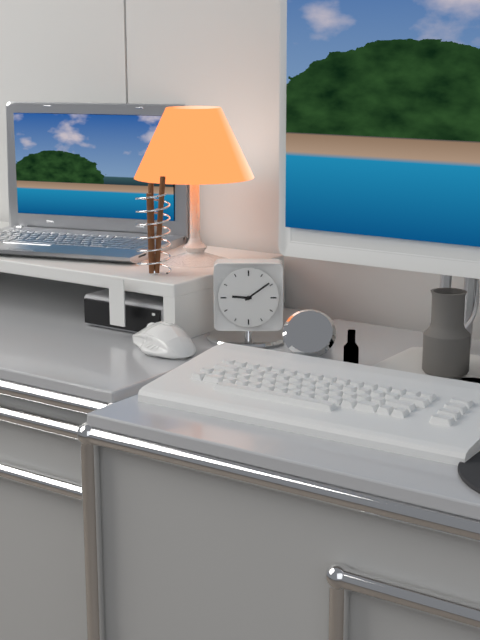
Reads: 9,09
